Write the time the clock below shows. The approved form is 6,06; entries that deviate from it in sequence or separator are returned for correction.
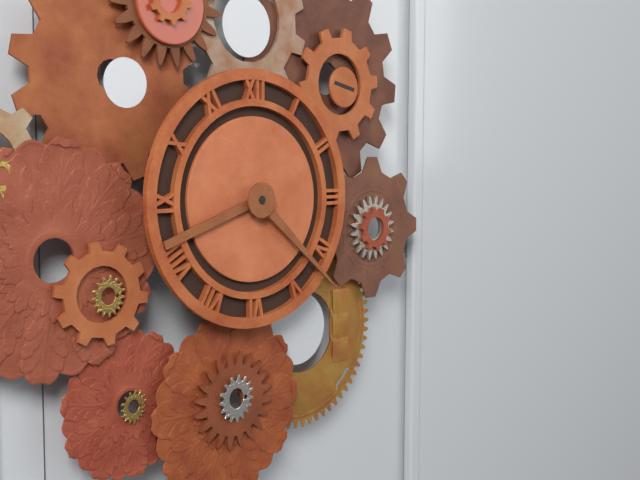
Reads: 8,22
